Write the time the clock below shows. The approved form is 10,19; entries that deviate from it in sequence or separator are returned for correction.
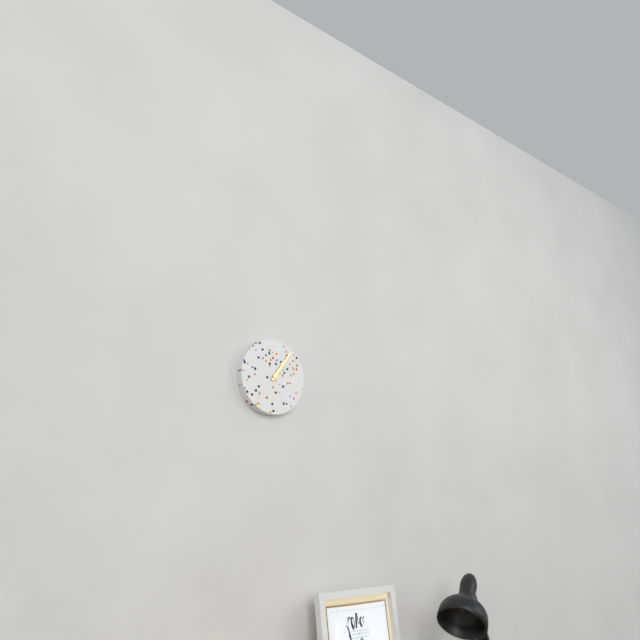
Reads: 1,06
